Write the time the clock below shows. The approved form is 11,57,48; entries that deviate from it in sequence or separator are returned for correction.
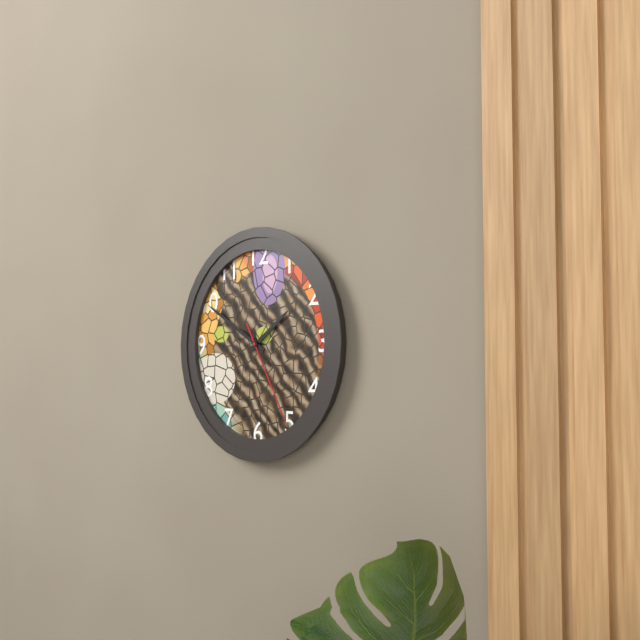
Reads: 1,50,25
